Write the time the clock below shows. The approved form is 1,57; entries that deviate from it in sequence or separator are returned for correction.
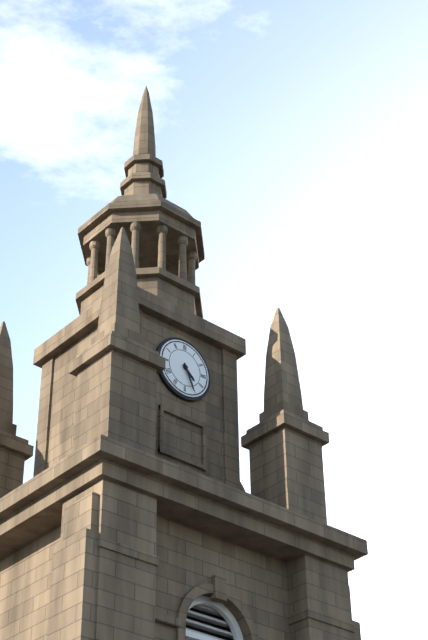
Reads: 4,26
